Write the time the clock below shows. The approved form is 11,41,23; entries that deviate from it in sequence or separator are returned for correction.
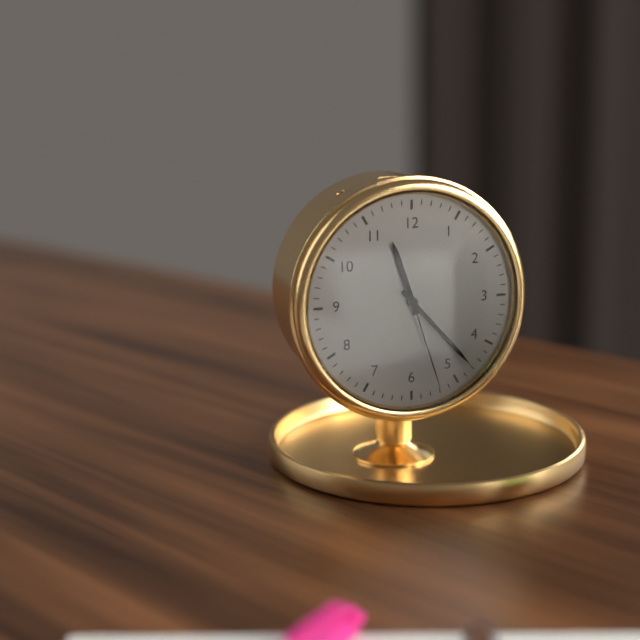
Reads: 11,23,27
